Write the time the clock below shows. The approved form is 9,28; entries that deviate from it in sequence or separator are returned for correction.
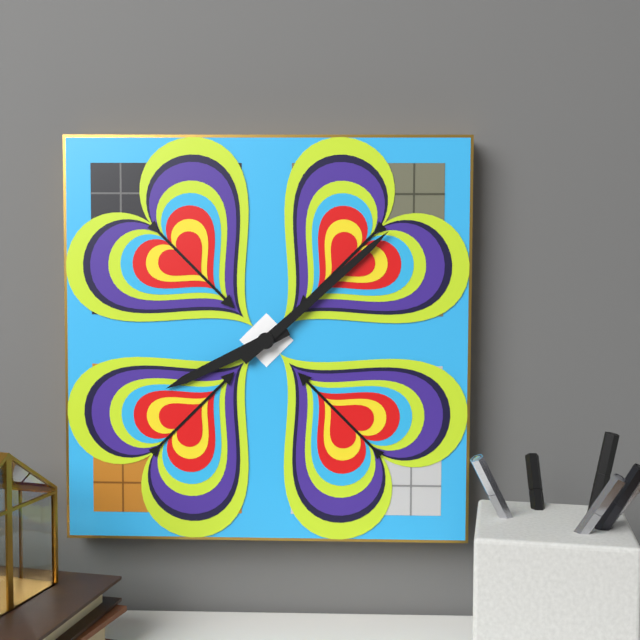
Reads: 8,08
